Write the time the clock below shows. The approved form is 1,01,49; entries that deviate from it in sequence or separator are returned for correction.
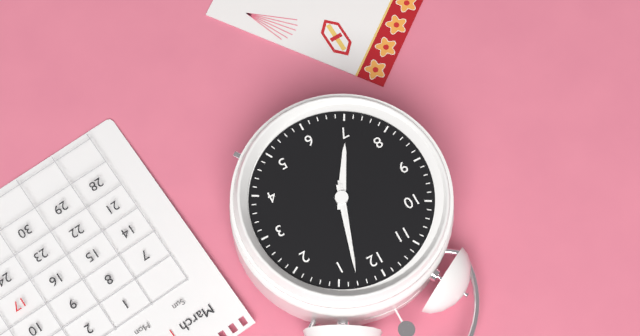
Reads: 7,03,03
